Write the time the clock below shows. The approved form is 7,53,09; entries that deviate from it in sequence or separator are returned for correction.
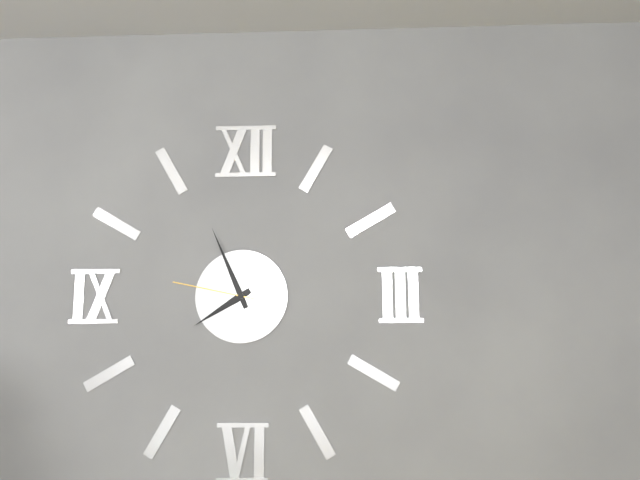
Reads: 7,56,47
